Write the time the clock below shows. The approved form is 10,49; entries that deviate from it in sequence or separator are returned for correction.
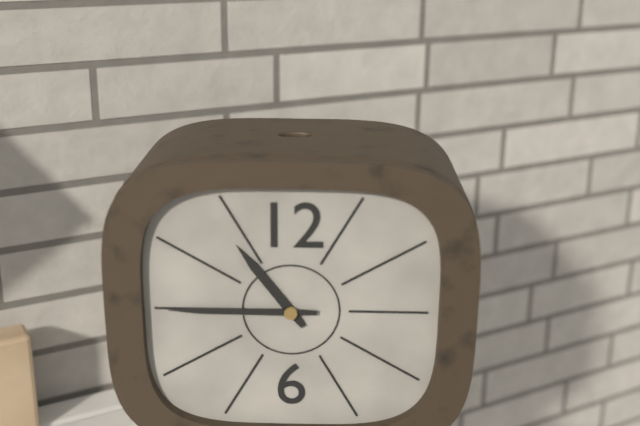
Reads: 10,45
